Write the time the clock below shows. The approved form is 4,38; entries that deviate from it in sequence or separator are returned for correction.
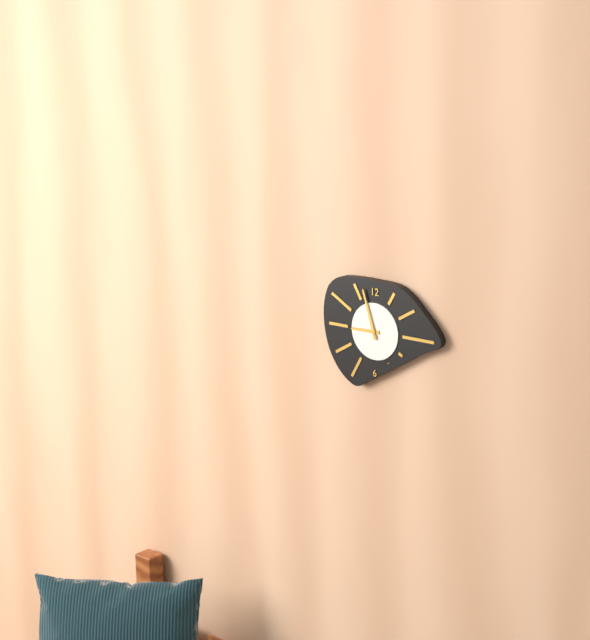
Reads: 8,57
